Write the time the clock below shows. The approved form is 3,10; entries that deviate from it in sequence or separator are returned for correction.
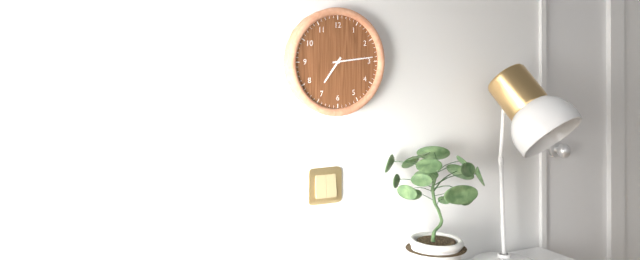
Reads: 7,14
